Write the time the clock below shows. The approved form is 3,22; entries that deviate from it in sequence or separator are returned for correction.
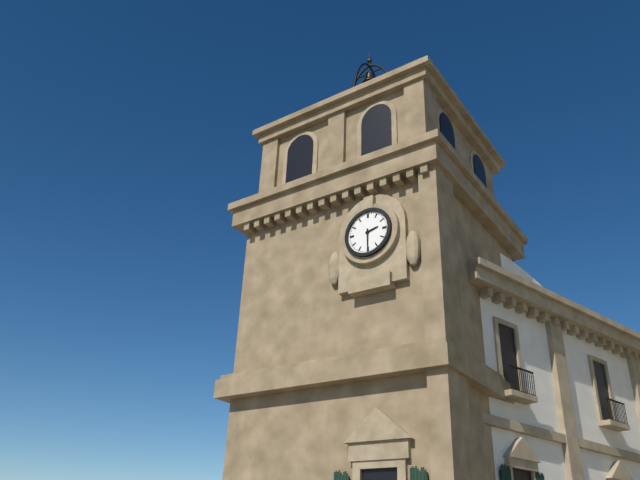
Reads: 2,30
